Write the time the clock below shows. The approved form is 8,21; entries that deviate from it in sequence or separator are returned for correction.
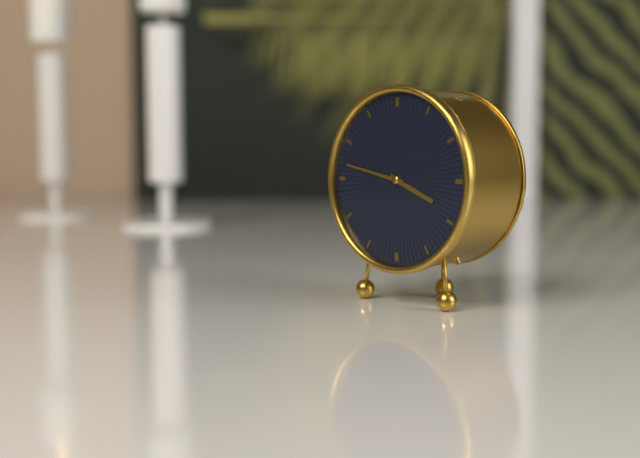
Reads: 3,47
